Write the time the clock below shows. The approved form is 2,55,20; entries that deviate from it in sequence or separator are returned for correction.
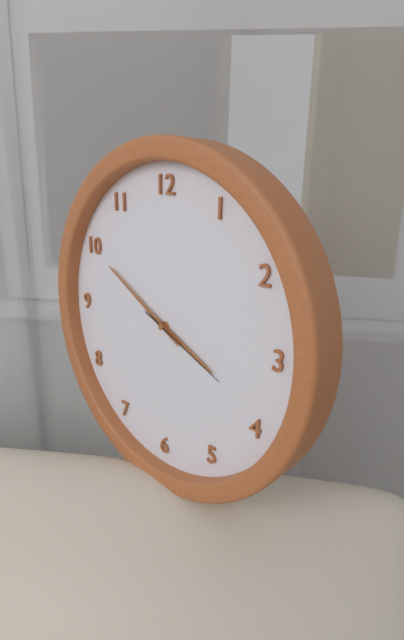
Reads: 3,50,19
